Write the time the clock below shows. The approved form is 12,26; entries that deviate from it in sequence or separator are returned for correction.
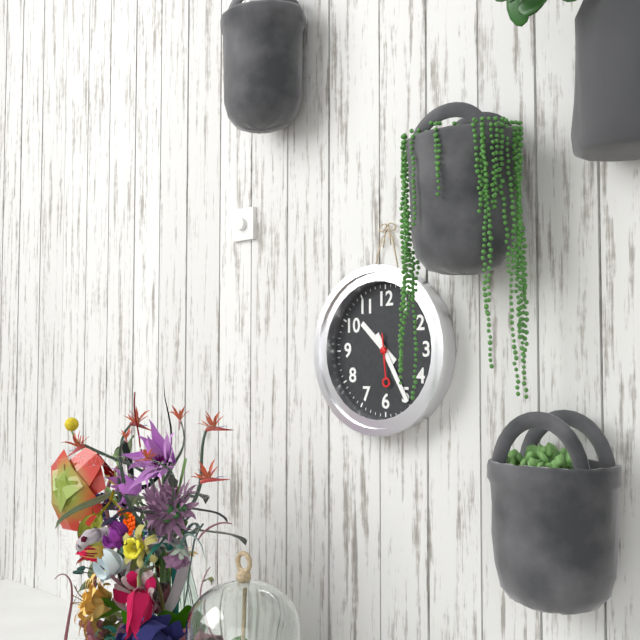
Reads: 10,25
